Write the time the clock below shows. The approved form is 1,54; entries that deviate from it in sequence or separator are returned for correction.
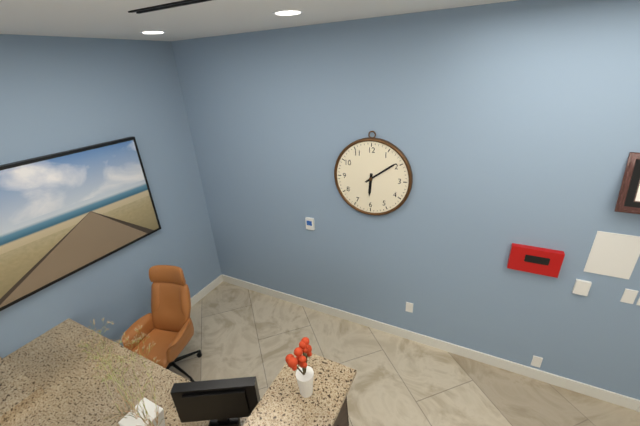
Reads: 6,09
